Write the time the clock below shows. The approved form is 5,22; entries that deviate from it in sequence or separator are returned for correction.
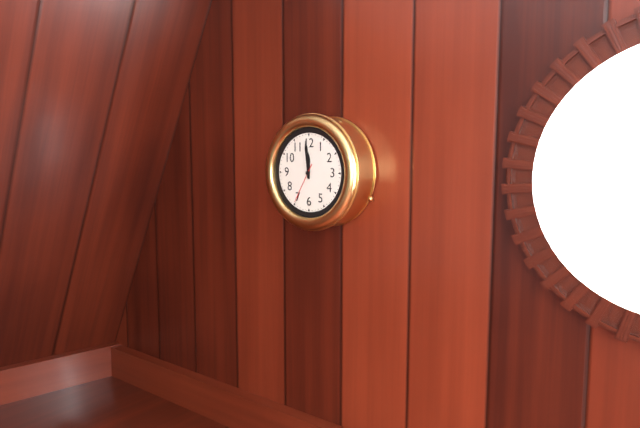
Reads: 11,59
